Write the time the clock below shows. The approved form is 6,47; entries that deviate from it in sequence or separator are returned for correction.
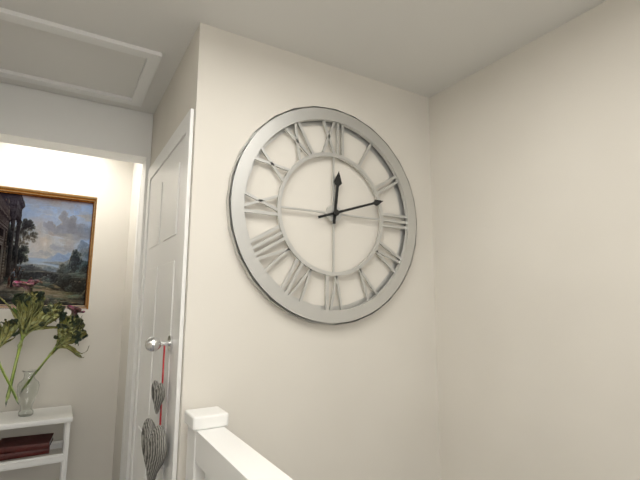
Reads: 12,12
